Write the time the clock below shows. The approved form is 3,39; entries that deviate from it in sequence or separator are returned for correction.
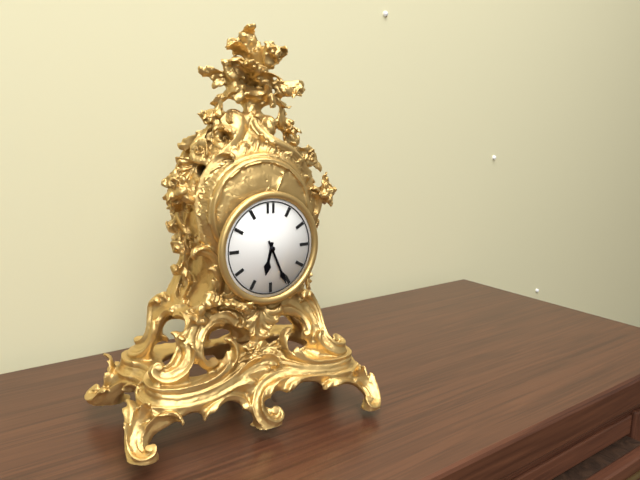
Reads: 6,26
